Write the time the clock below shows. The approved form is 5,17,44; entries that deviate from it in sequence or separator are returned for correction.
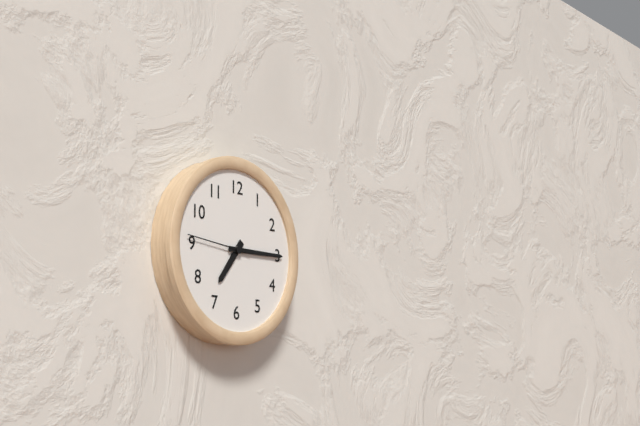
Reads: 7,15,46
